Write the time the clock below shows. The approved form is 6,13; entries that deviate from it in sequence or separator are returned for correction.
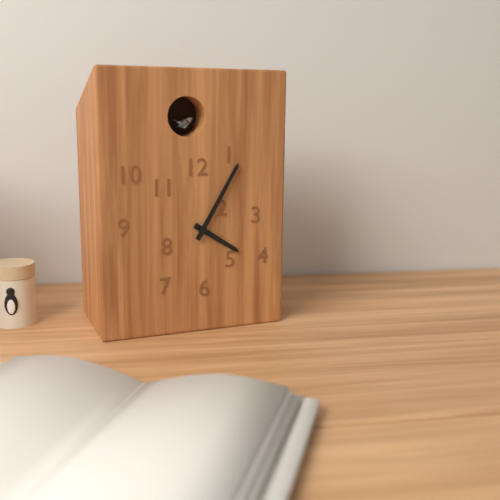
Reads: 4,05
